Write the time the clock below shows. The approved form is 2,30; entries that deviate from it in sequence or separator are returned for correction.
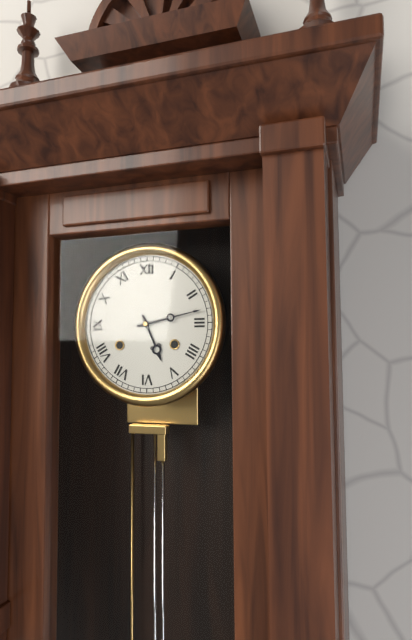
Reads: 5,13
